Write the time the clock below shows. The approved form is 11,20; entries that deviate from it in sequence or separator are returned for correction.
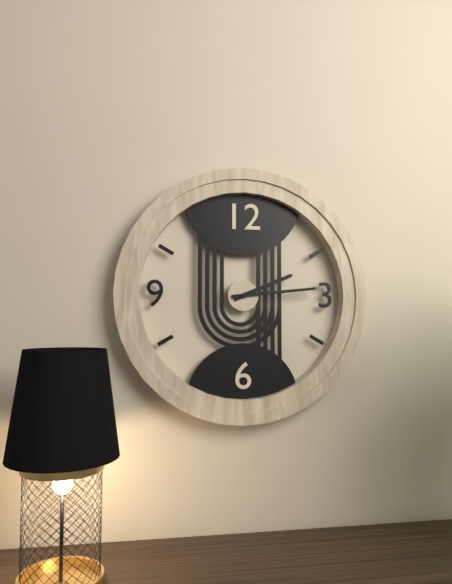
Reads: 2,14
